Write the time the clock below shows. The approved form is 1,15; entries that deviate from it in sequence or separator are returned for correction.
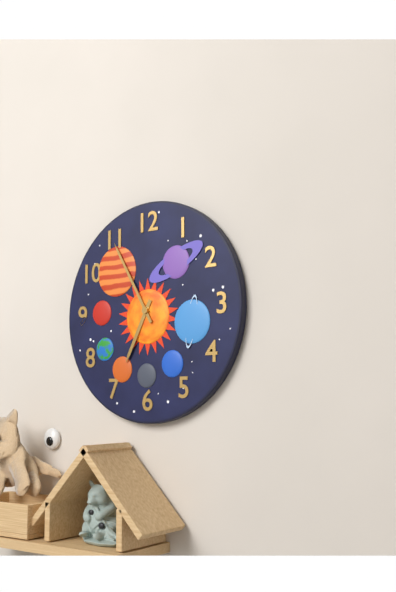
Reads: 6,55
